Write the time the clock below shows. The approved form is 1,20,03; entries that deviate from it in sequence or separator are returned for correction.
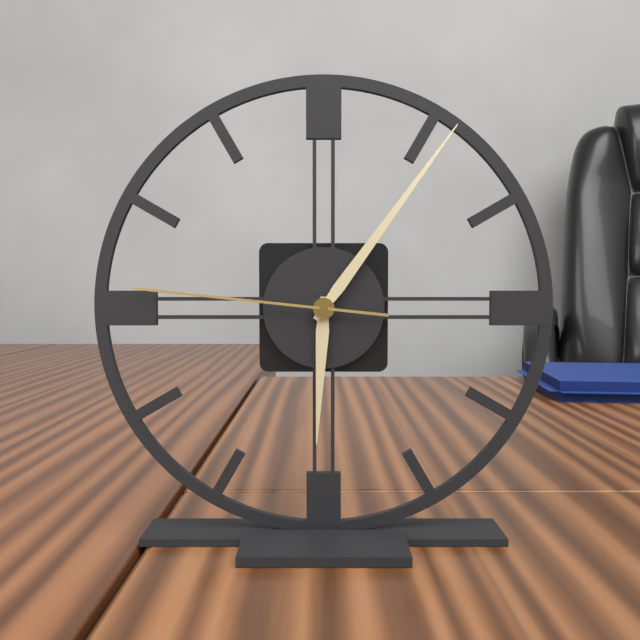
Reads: 6,06,46
